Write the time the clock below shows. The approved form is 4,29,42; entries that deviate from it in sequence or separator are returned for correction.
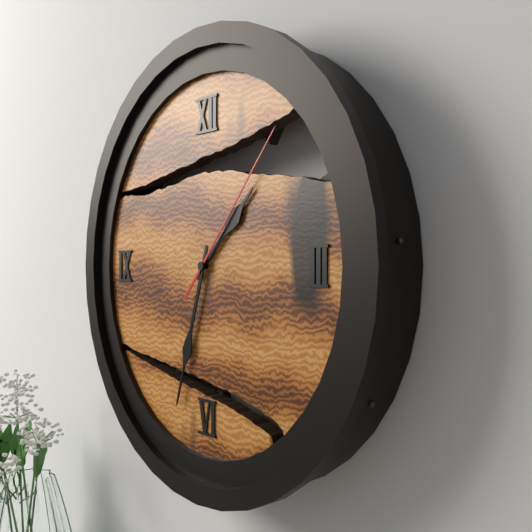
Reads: 1,33,07
